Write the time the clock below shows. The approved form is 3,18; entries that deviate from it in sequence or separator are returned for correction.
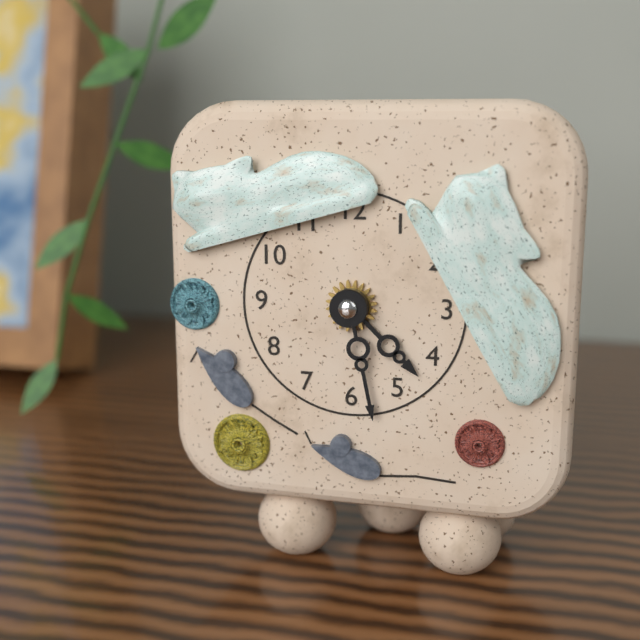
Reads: 4,28
